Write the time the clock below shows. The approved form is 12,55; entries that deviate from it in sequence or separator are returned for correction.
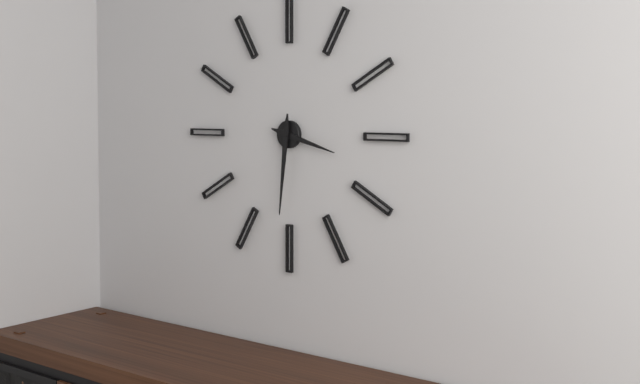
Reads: 3,31
